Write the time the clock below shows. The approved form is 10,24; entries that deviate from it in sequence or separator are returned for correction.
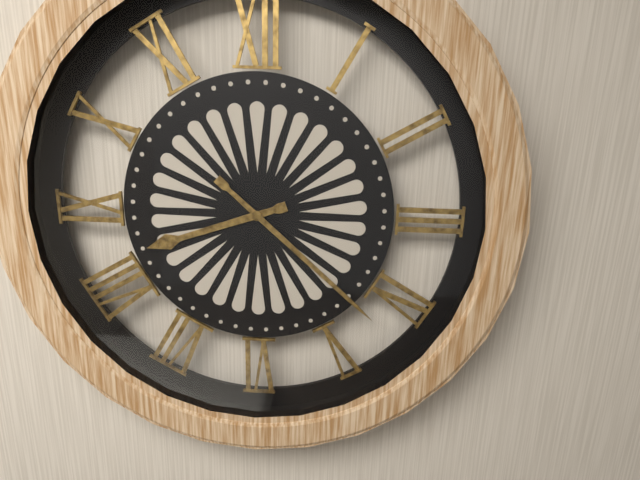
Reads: 8,22
